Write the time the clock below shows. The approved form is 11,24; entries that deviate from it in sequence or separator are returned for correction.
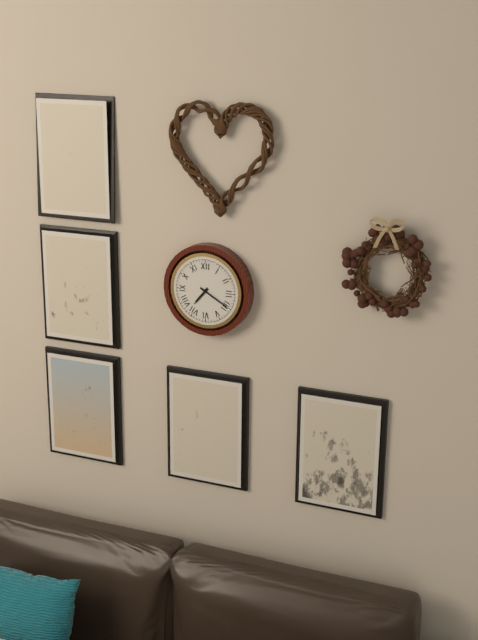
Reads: 7,20
